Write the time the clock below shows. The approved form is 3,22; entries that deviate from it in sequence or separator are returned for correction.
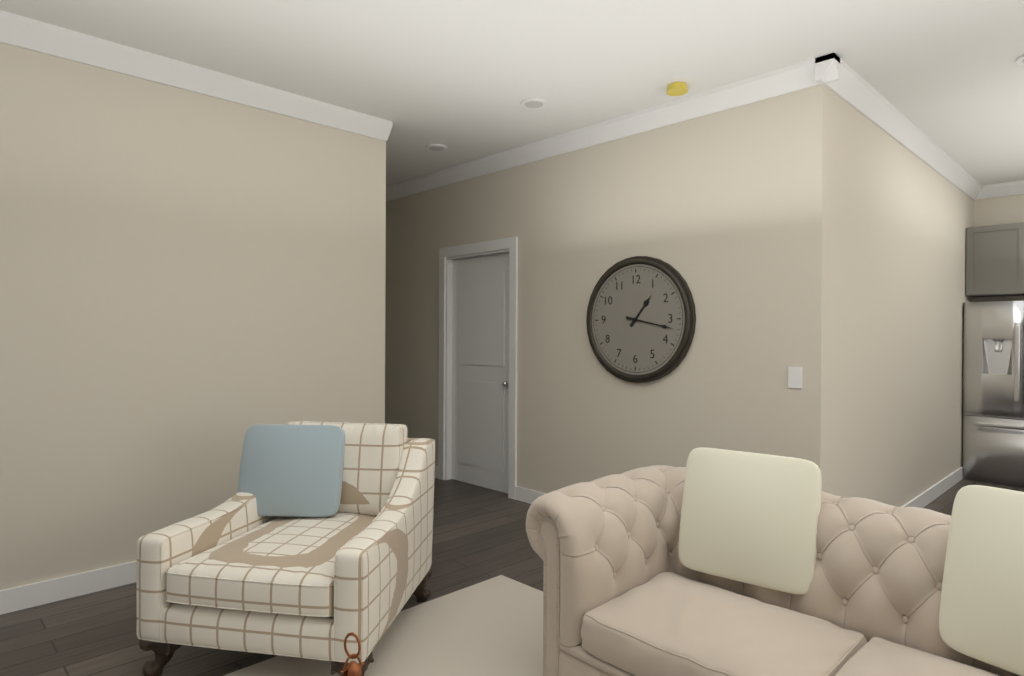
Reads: 1,17
